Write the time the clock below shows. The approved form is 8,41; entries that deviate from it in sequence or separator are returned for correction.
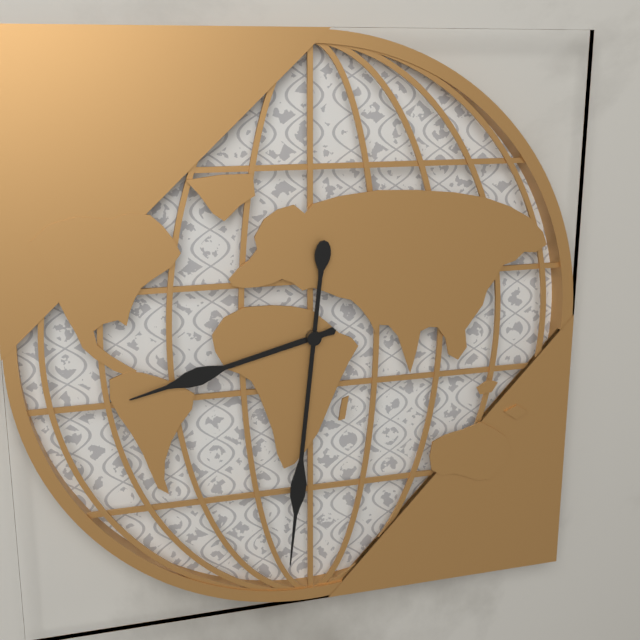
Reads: 8,31
